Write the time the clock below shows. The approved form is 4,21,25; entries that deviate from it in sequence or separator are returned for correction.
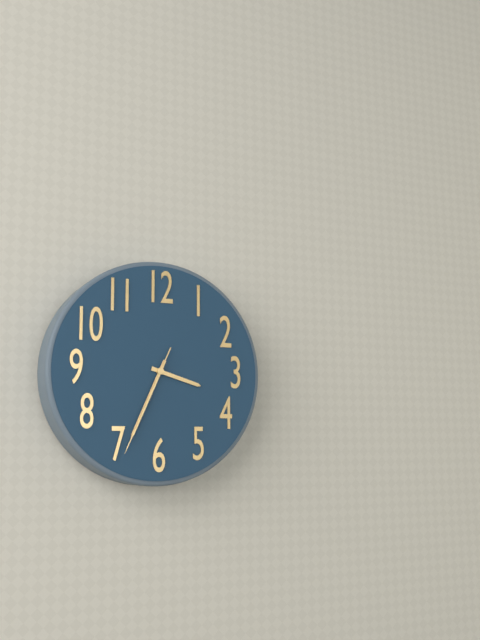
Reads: 3,34,34
